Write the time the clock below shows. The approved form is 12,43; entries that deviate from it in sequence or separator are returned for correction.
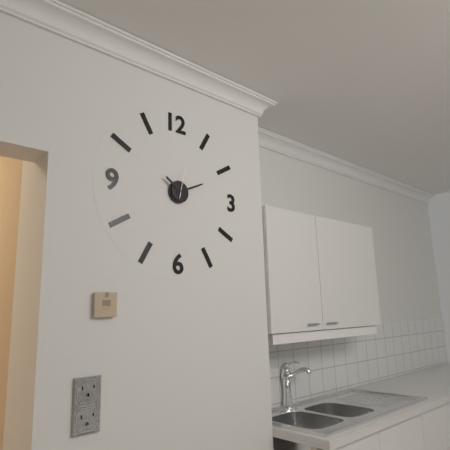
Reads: 10,11
